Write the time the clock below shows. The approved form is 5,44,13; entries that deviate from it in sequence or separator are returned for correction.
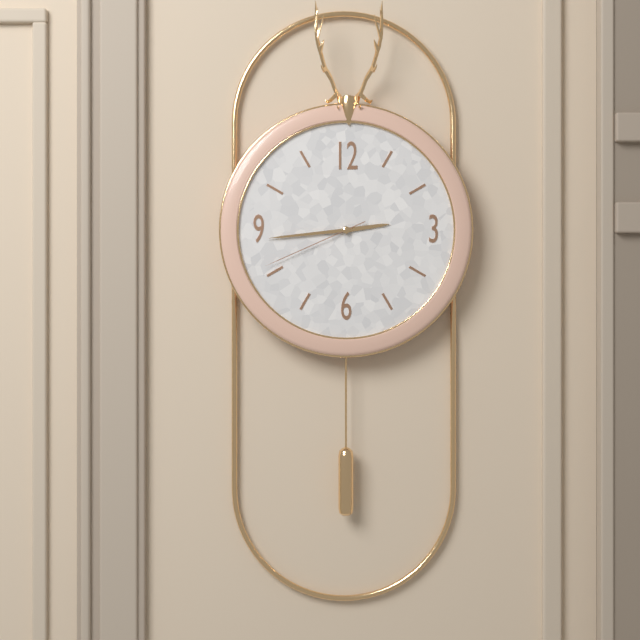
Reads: 2,44,41
